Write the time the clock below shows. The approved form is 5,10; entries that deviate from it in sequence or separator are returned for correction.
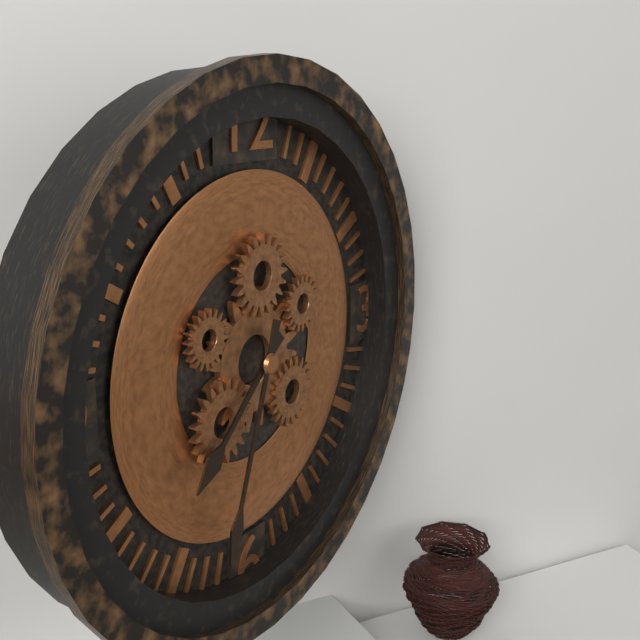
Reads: 7,33
